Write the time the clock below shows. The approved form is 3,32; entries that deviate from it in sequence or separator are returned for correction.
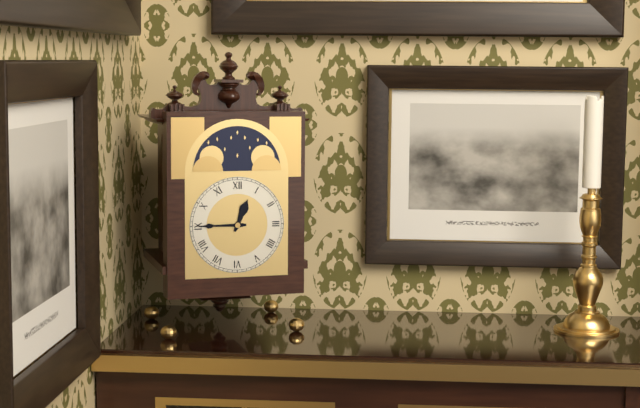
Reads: 12,45
